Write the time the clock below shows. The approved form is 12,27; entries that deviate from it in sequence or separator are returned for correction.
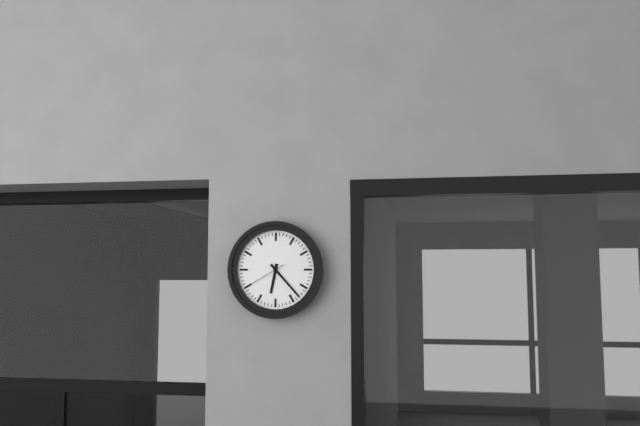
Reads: 6,23
